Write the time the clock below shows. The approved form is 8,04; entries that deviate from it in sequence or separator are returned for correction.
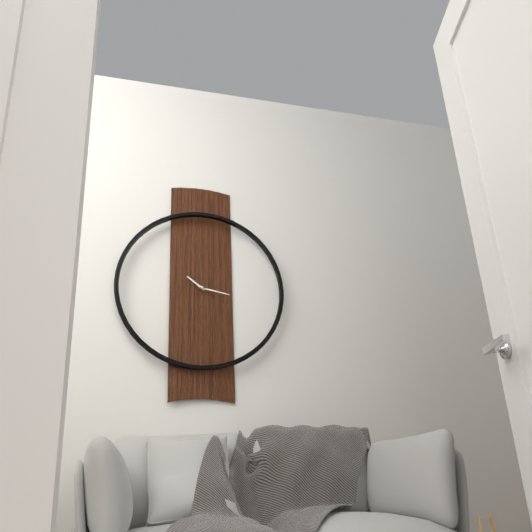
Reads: 10,17
